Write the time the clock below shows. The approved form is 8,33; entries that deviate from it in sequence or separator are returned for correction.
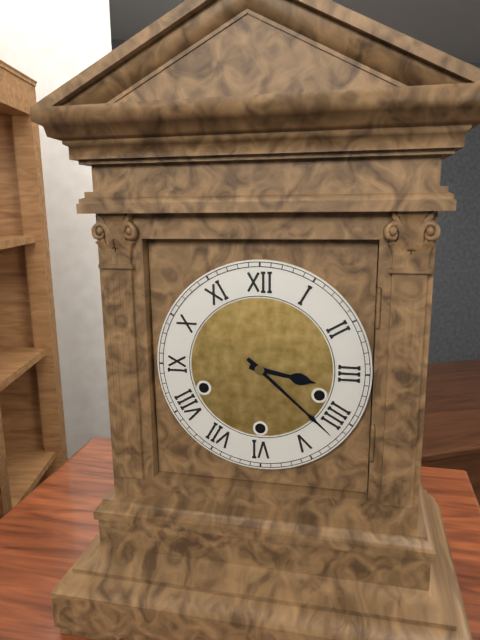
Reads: 3,22
